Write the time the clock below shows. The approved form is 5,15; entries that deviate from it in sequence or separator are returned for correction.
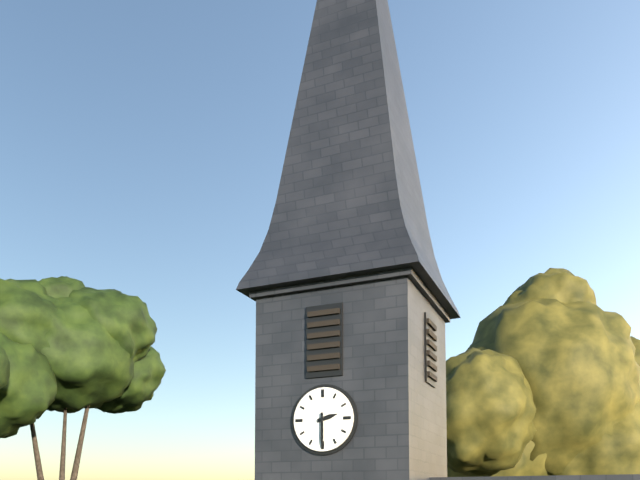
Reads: 2,30
